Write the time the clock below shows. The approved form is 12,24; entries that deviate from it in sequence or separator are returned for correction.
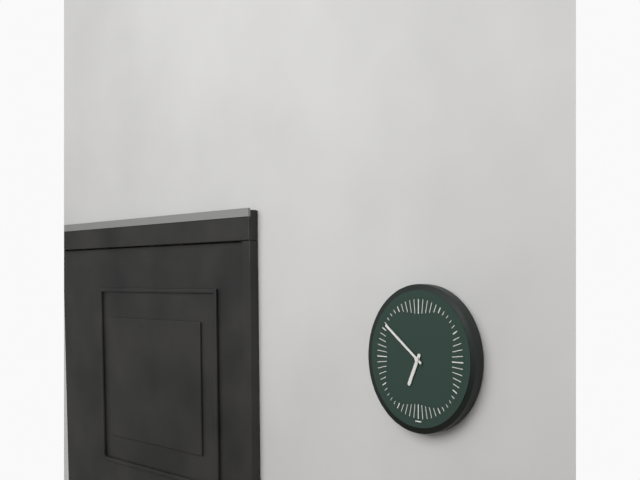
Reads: 6,51
